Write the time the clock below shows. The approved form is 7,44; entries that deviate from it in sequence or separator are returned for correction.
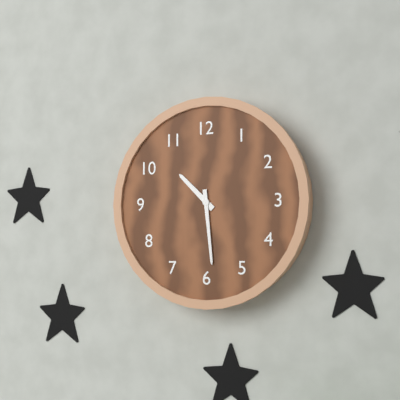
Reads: 10,29
